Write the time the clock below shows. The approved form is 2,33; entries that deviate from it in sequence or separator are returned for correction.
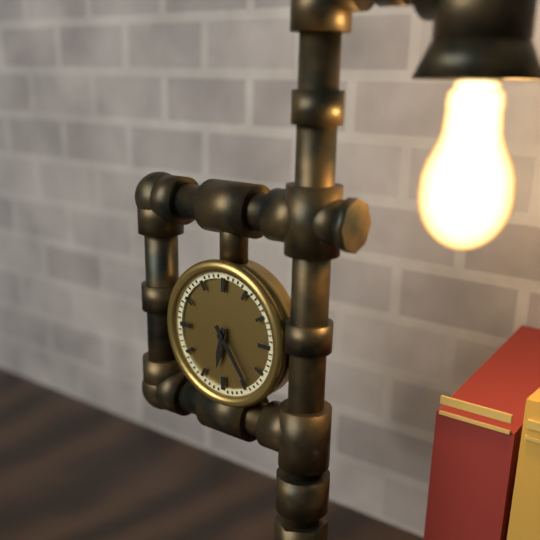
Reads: 6,24
